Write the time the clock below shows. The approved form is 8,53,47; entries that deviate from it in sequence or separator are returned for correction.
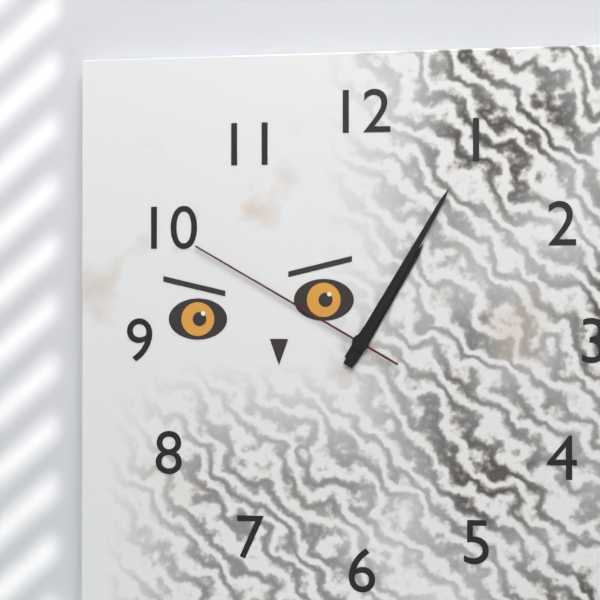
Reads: 1,05,50
